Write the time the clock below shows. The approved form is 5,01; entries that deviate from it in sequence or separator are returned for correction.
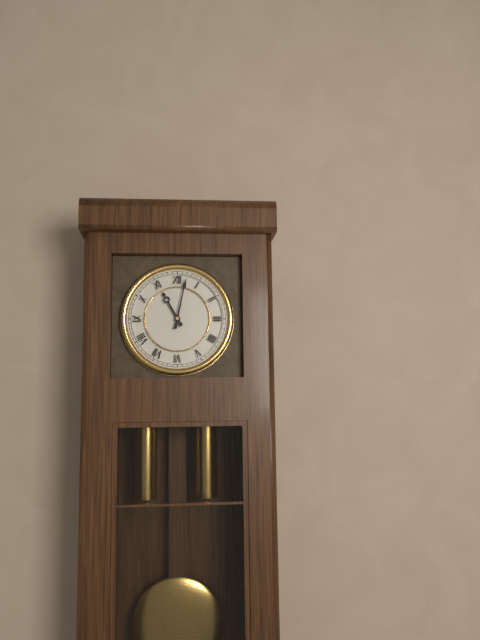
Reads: 11,02
